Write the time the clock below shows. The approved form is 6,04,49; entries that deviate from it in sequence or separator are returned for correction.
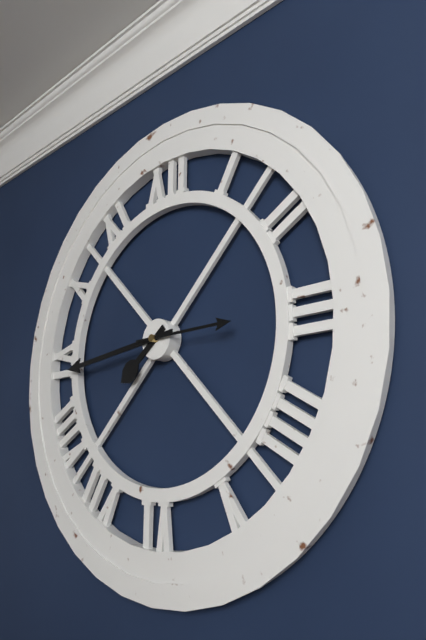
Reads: 7,44,15
